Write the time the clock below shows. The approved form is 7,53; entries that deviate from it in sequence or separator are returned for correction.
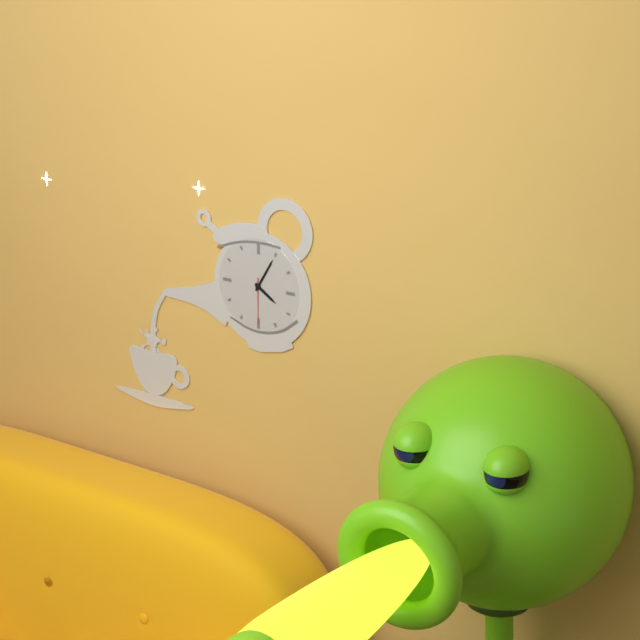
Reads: 4,05
